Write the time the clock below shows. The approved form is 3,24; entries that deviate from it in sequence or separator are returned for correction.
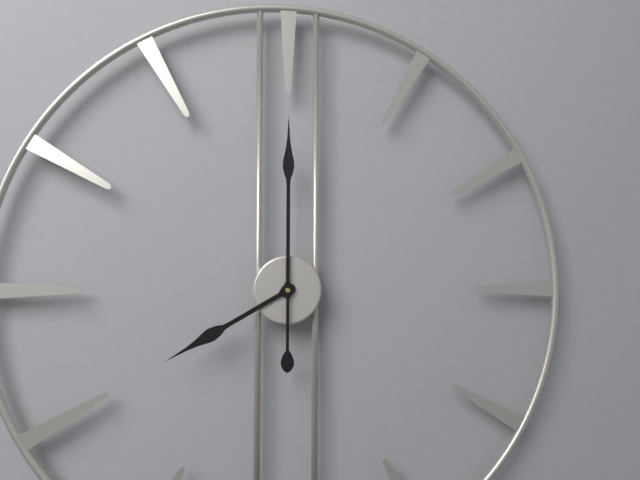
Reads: 8,00
